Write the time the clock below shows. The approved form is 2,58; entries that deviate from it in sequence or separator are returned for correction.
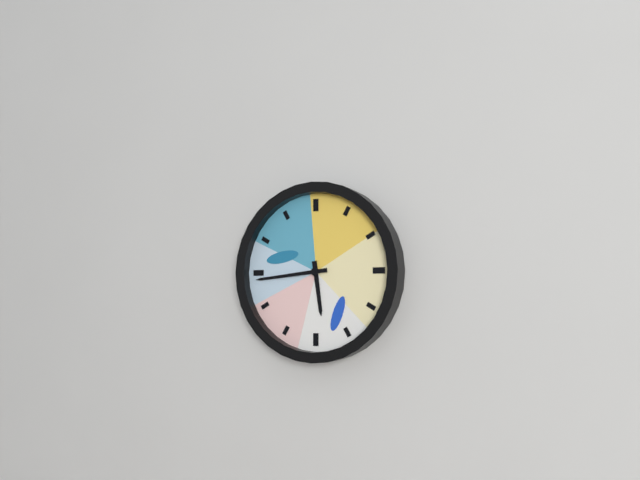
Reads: 5,44
